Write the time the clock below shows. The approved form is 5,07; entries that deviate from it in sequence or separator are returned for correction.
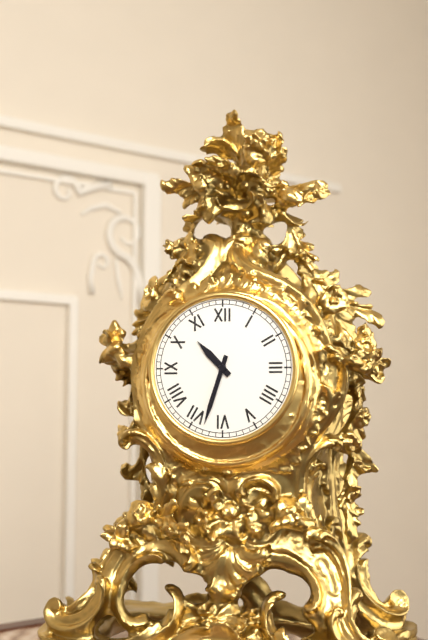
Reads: 10,33
